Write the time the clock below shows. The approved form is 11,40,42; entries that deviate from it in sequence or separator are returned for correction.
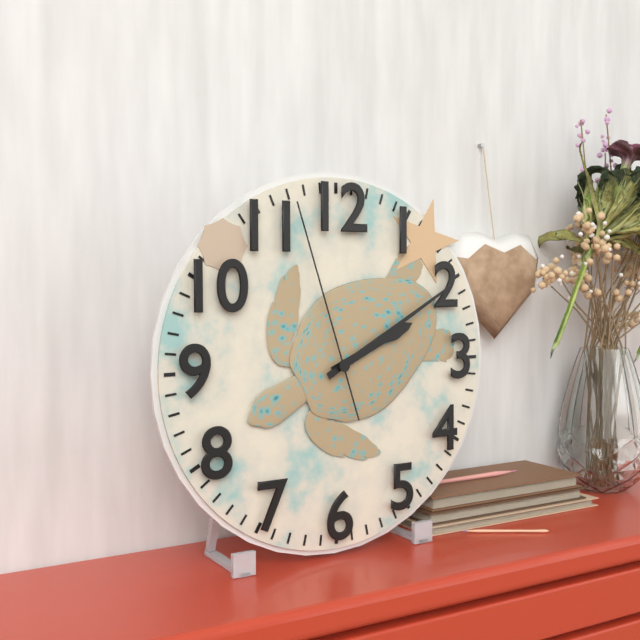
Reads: 2,10,57
